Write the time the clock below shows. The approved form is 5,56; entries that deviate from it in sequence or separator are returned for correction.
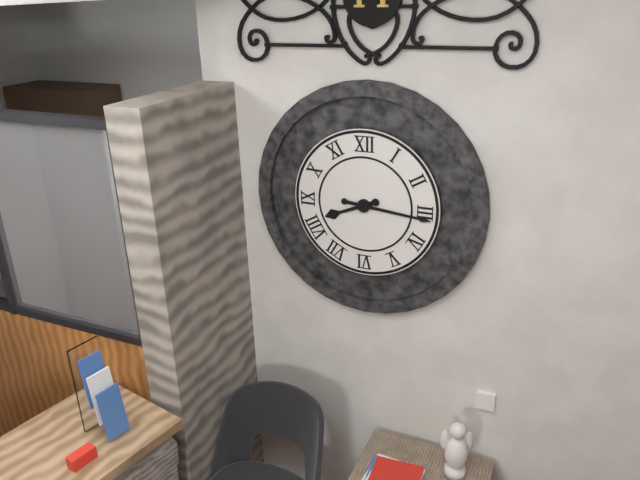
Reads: 8,16
